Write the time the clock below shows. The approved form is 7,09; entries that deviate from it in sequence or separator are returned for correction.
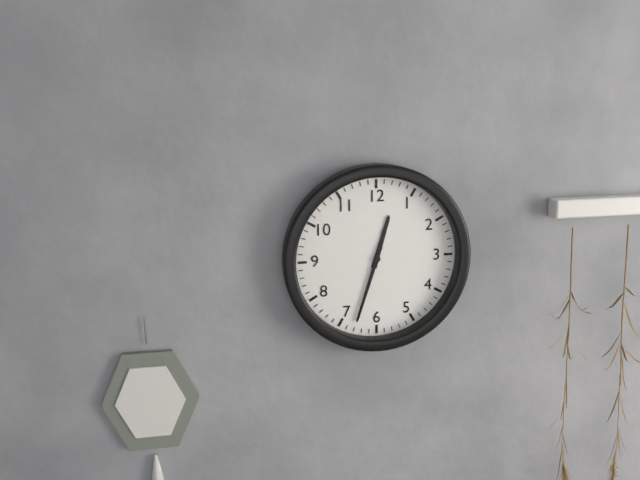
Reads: 12,33
